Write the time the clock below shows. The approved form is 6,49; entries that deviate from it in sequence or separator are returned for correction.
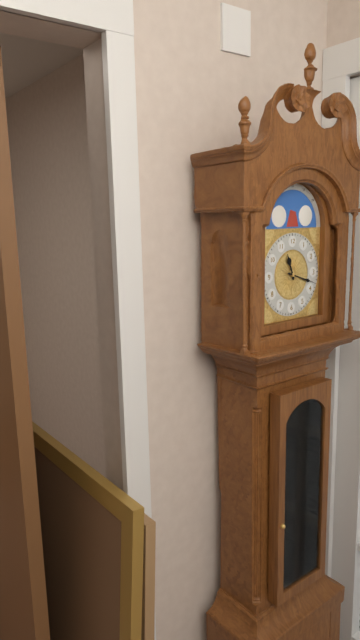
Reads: 11,18
